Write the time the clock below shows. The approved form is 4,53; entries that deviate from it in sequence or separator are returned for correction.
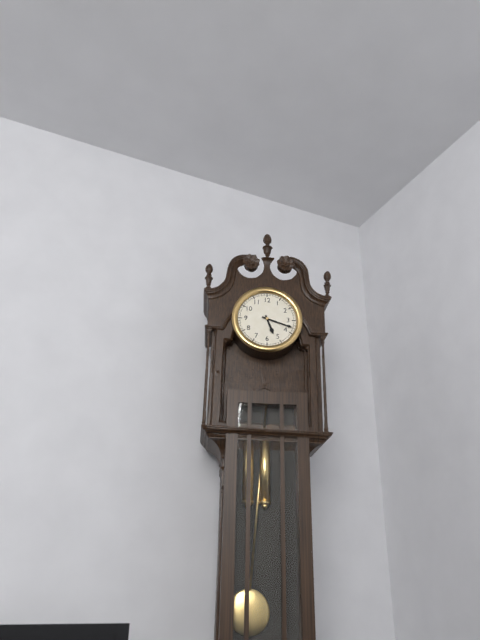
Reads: 5,18
